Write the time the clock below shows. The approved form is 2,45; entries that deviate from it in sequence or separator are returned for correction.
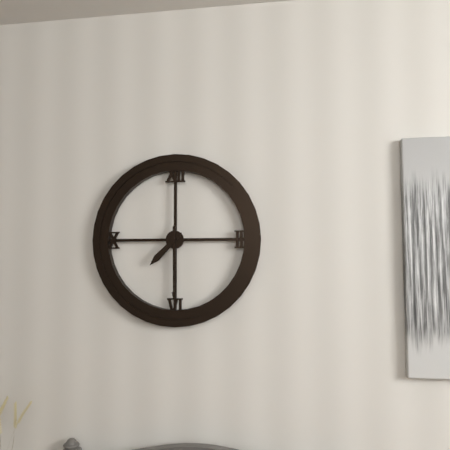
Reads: 7,30
